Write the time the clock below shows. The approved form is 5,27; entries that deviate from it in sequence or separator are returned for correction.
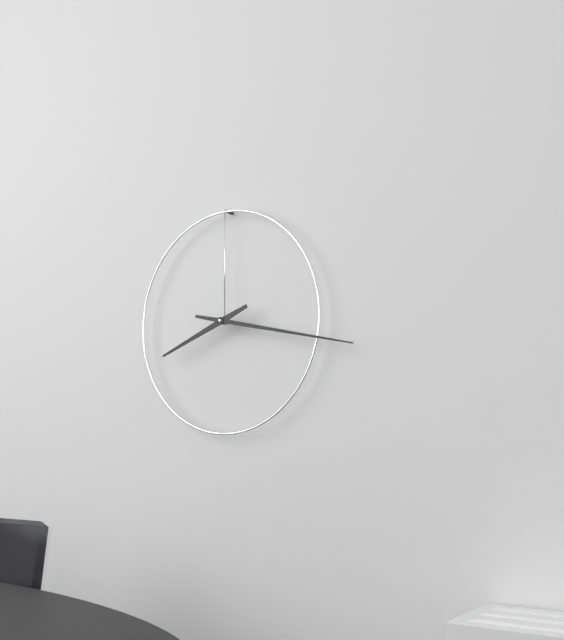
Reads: 8,17
